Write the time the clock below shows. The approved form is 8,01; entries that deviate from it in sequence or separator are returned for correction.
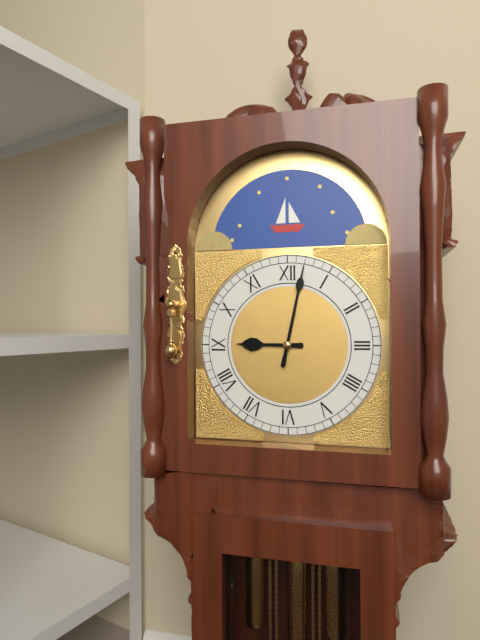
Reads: 9,02
